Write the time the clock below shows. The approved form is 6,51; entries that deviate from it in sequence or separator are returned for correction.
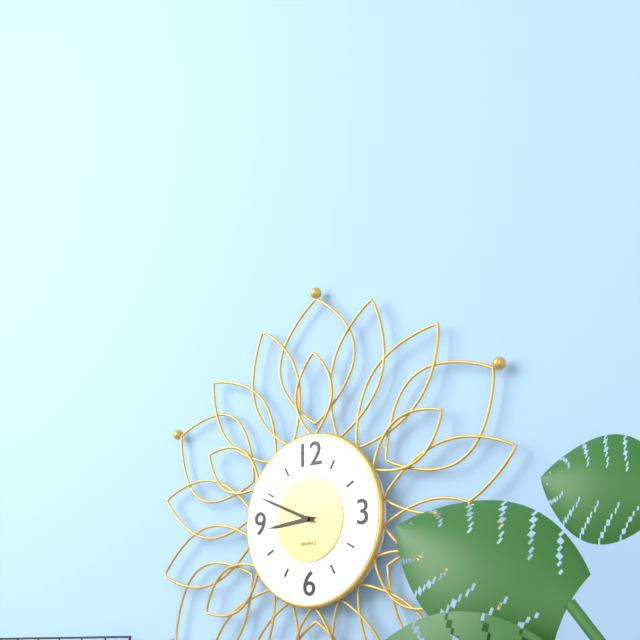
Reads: 8,49
